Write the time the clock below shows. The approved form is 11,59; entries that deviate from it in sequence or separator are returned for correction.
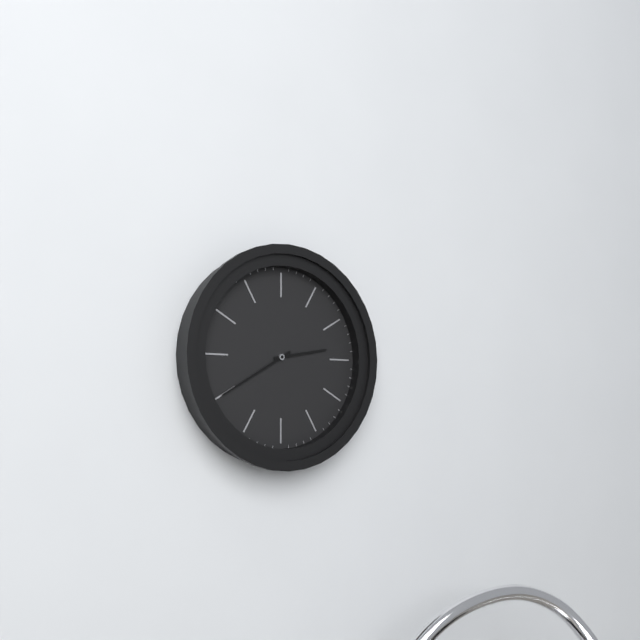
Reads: 2,40
